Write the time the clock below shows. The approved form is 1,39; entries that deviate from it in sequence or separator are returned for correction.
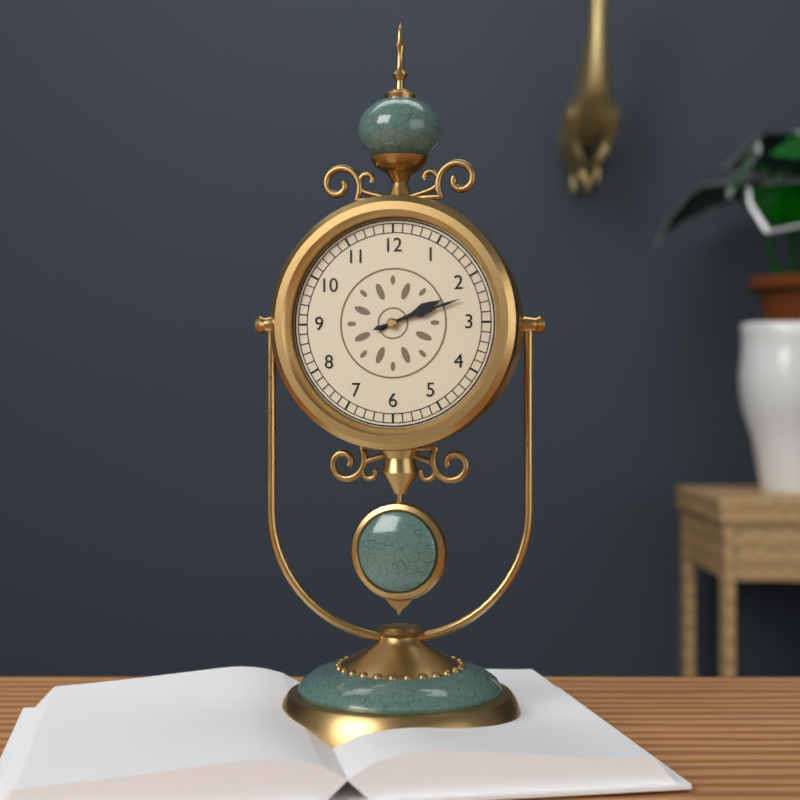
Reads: 2,12
